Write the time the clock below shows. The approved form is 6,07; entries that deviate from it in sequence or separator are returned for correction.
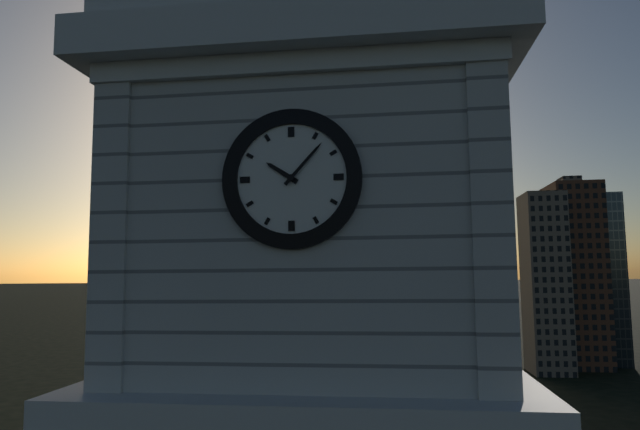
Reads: 10,07
